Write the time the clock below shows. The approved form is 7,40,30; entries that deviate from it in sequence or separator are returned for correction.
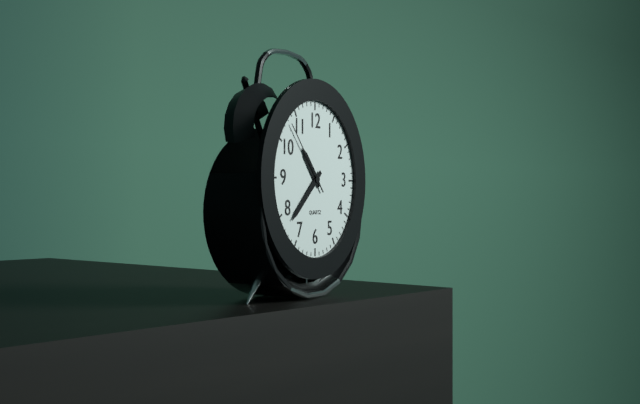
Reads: 10,38,53
